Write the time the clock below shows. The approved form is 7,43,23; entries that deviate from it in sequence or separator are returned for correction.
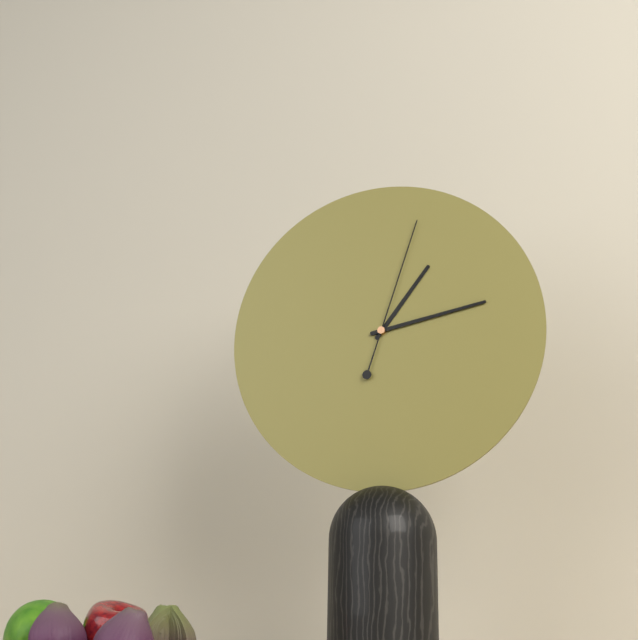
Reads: 1,13,03
